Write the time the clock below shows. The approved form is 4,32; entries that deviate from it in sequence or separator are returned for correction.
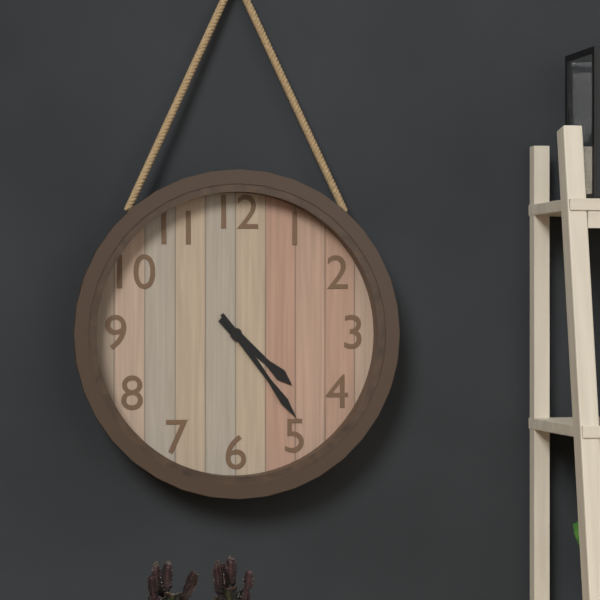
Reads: 4,24
